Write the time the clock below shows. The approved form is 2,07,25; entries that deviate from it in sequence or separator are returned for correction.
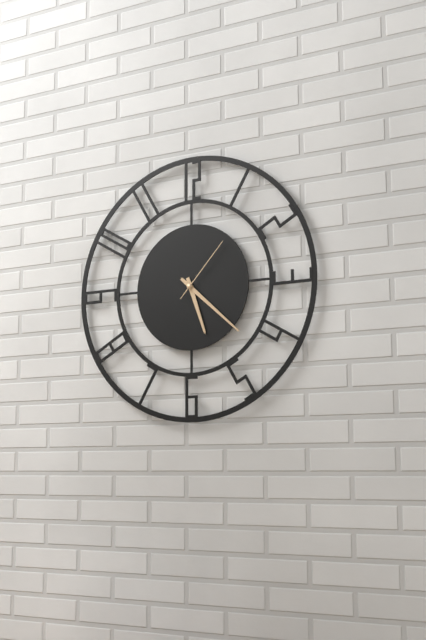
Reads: 5,22,07
